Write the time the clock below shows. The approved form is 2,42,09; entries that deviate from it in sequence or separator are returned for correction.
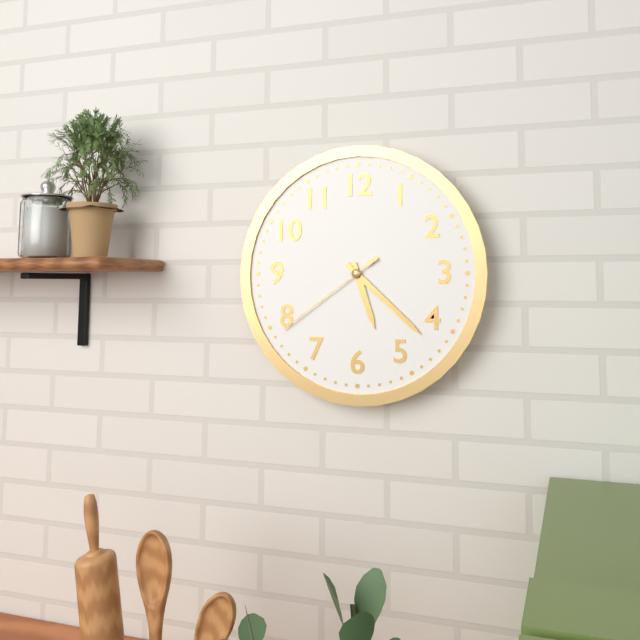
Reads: 5,22,39
